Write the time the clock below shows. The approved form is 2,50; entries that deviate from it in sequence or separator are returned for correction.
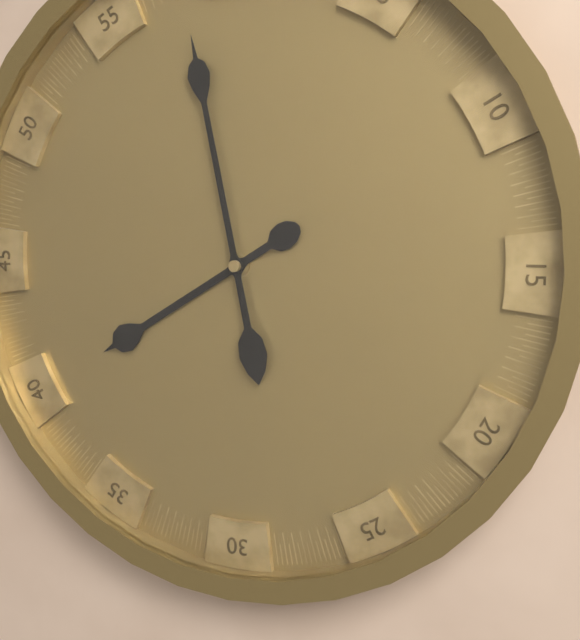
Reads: 7,58
